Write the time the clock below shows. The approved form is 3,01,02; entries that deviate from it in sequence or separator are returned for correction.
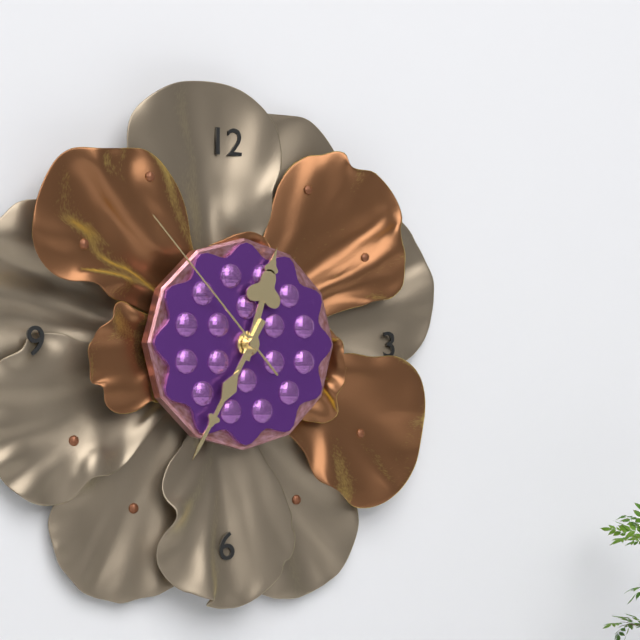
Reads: 12,35,53
